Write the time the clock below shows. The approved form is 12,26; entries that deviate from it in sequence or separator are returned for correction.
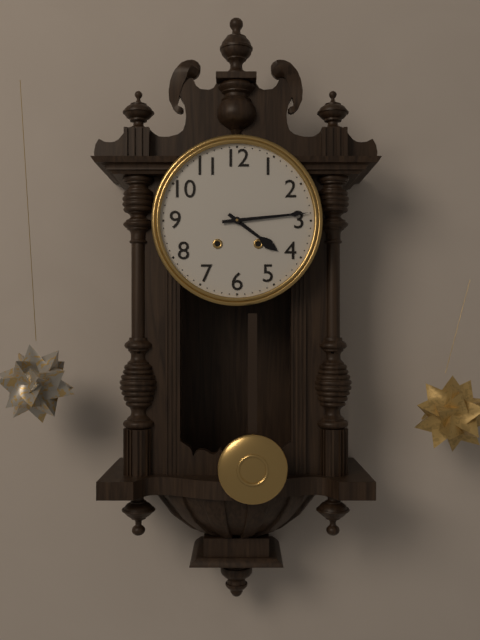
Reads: 4,14
